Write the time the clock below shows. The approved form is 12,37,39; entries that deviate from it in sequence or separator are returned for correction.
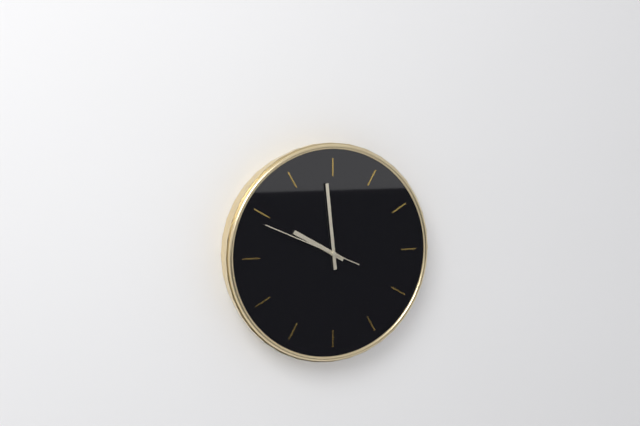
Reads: 9,59,49
